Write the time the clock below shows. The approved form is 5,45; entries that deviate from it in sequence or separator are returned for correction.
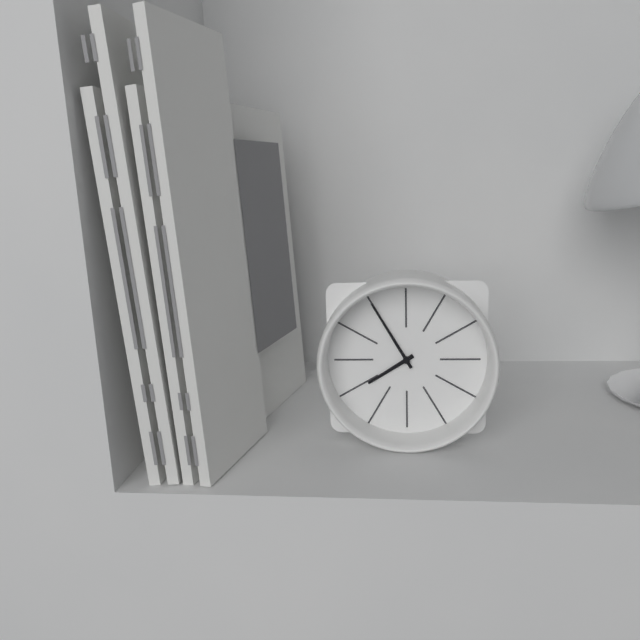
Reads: 7,55
